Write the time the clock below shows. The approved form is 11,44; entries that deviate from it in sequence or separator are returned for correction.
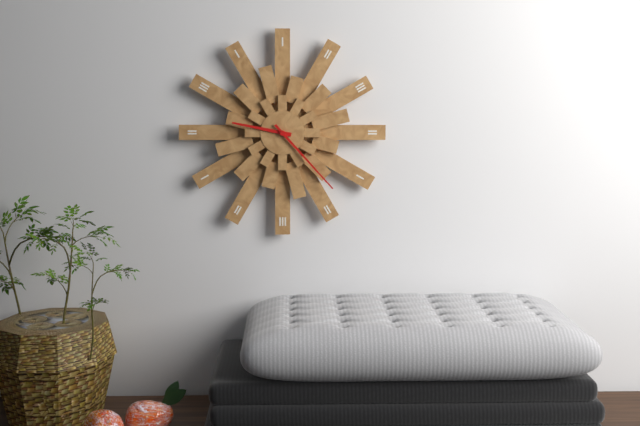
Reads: 9,23
